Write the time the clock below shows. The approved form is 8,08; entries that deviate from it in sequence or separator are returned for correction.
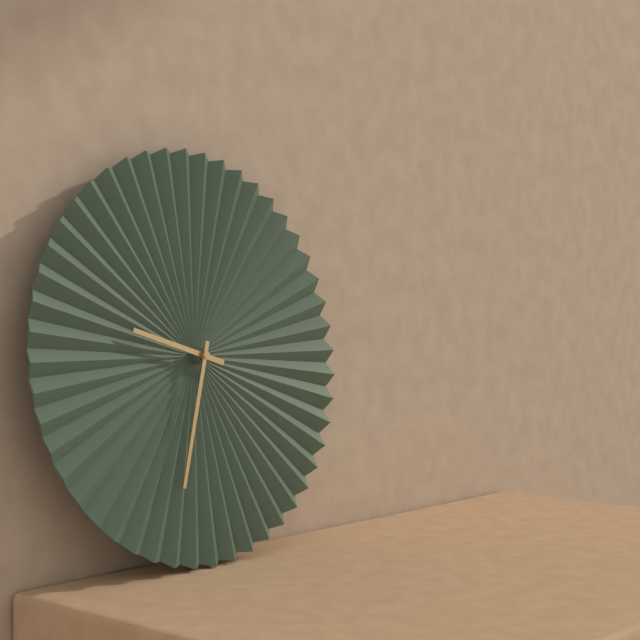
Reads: 9,33
